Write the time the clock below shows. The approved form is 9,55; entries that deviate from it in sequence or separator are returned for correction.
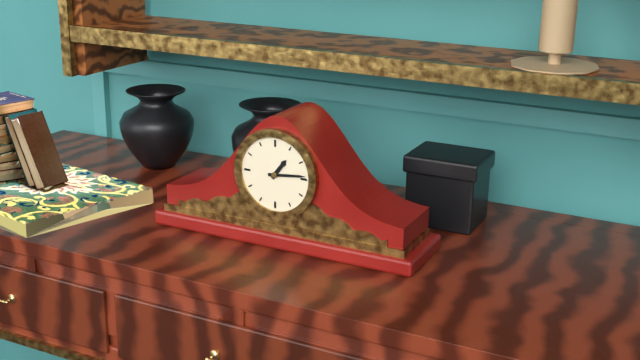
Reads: 1,14
